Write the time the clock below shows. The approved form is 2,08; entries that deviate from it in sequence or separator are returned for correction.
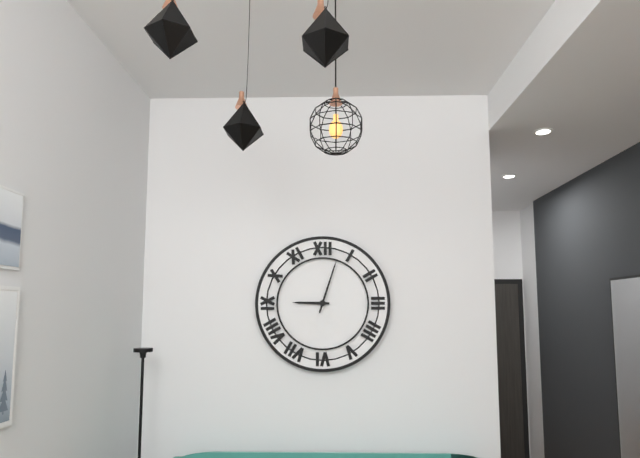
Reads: 9,03
